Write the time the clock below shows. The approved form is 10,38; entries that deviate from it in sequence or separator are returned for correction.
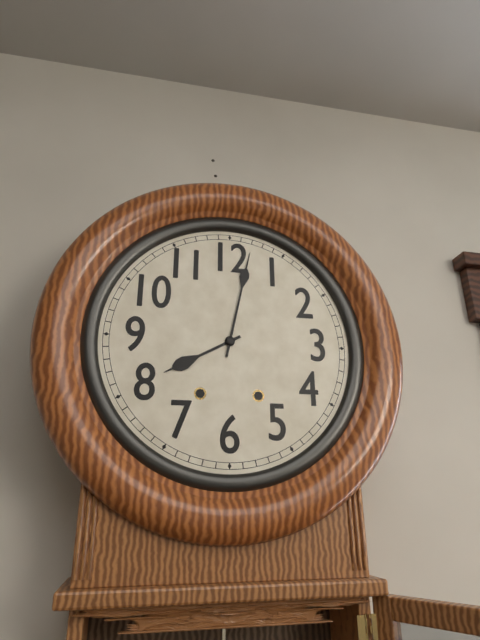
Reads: 8,02
